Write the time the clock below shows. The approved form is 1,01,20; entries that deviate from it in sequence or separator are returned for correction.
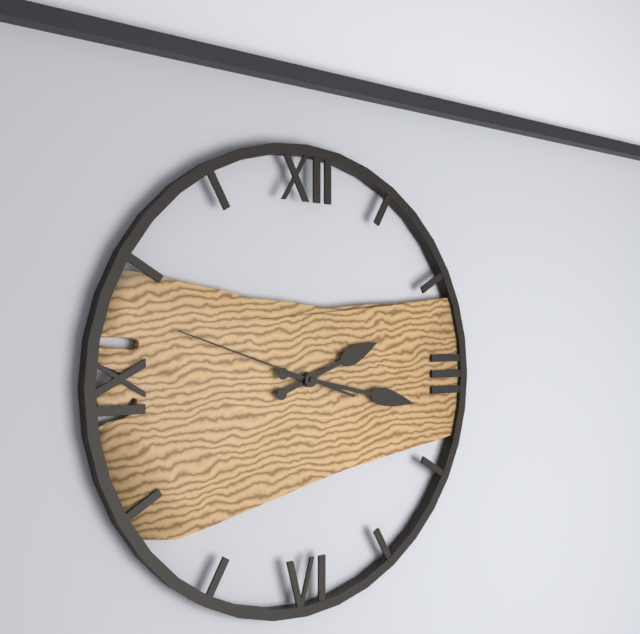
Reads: 2,17,48
